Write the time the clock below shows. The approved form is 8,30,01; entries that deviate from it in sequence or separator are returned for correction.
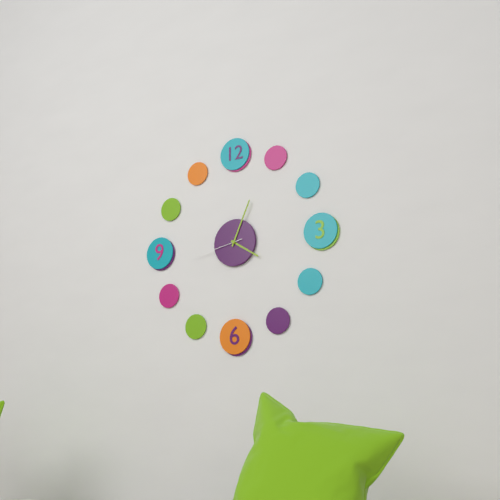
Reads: 4,04,43
